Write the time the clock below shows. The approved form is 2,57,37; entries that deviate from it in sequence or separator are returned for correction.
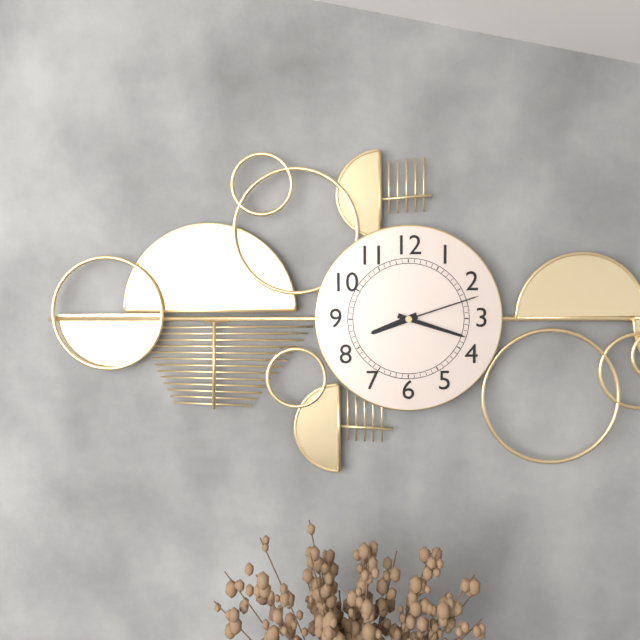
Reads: 8,18,12
